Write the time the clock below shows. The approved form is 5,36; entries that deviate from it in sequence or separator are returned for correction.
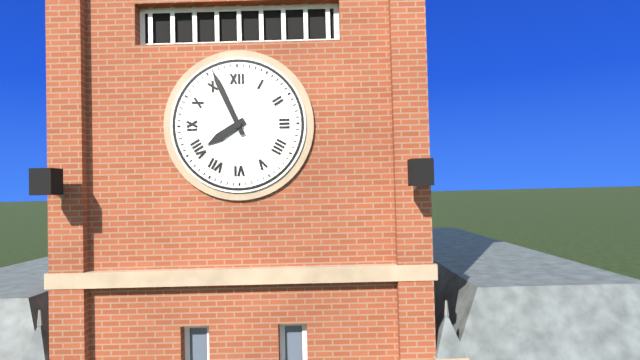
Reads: 7,56
